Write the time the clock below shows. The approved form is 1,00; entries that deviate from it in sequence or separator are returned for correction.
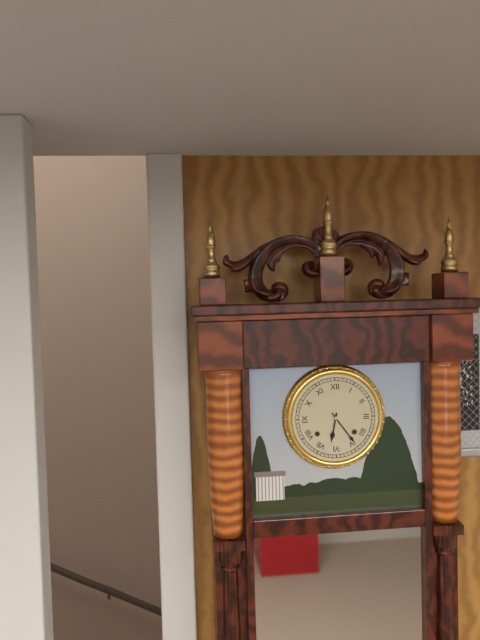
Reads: 6,24
